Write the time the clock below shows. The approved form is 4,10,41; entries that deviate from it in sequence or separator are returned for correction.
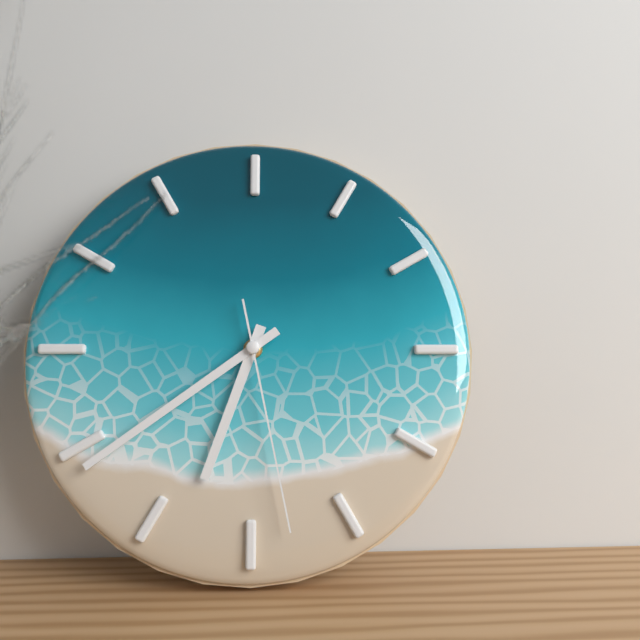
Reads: 6,39,28
